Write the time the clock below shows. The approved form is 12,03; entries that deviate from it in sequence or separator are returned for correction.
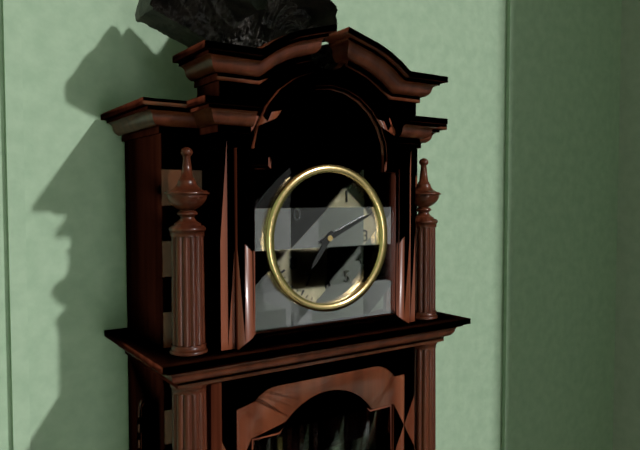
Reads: 7,11
